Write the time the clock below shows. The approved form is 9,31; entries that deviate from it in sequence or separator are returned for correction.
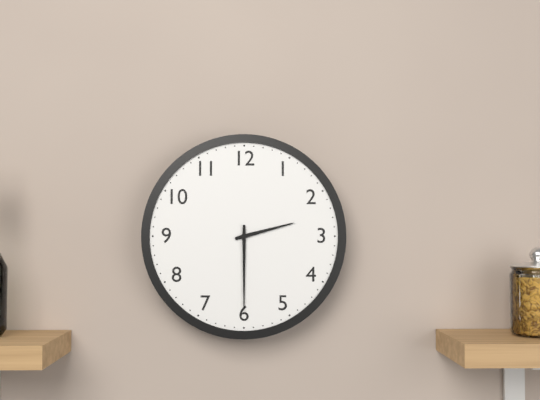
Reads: 2,30
